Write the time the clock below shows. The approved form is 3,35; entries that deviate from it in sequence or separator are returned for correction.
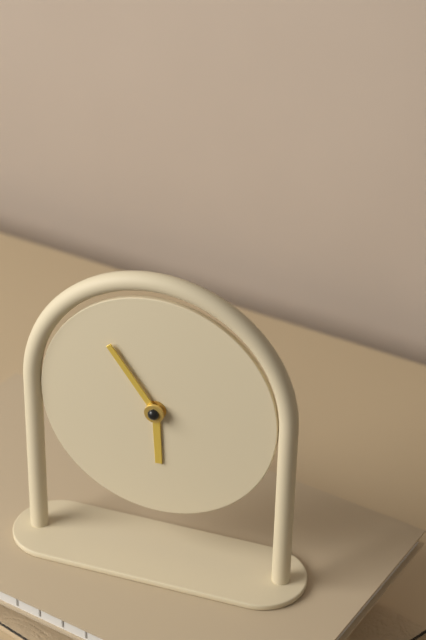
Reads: 5,54
